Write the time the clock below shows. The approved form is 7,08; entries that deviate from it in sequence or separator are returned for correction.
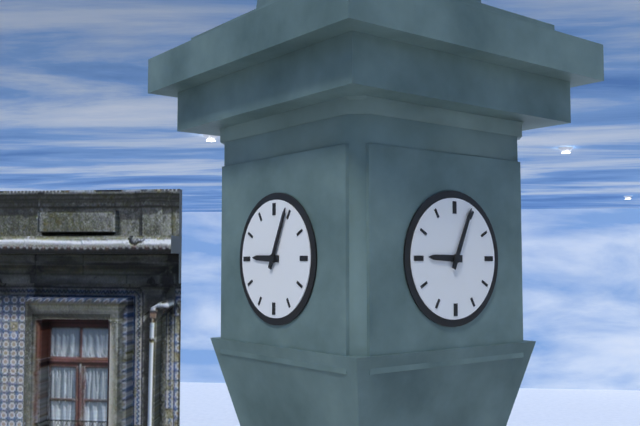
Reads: 9,04
